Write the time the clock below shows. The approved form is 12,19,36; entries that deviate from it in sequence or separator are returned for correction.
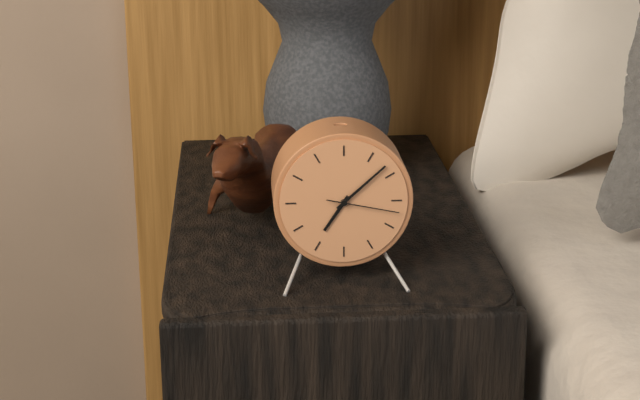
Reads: 7,08,17
